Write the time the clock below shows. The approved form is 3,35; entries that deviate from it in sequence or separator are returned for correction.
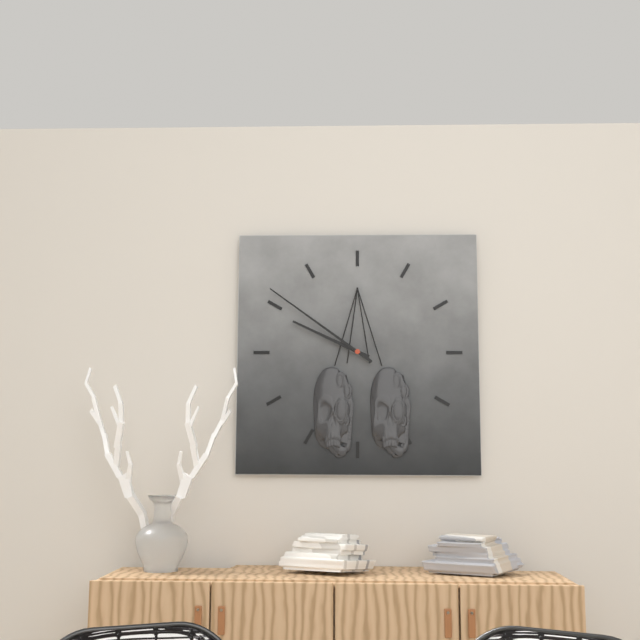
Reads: 9,51
